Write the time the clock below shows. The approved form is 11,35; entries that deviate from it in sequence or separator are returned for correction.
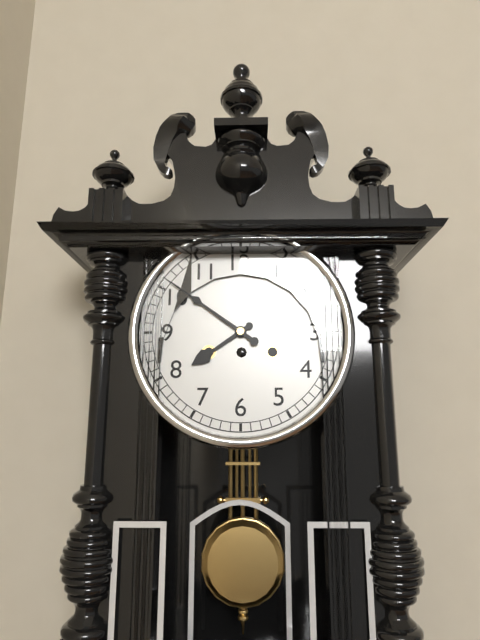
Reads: 7,51
